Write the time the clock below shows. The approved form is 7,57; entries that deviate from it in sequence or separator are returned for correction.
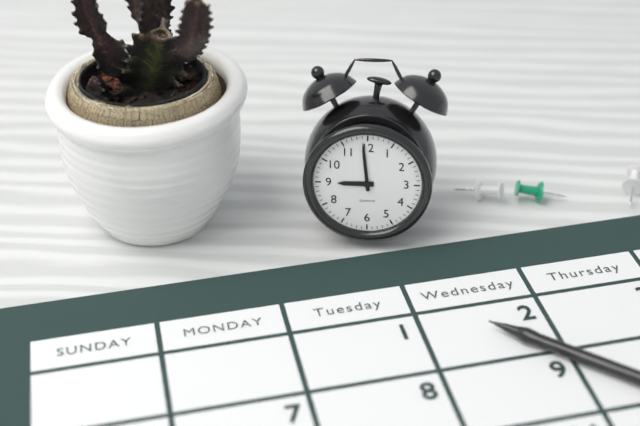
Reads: 8,59
